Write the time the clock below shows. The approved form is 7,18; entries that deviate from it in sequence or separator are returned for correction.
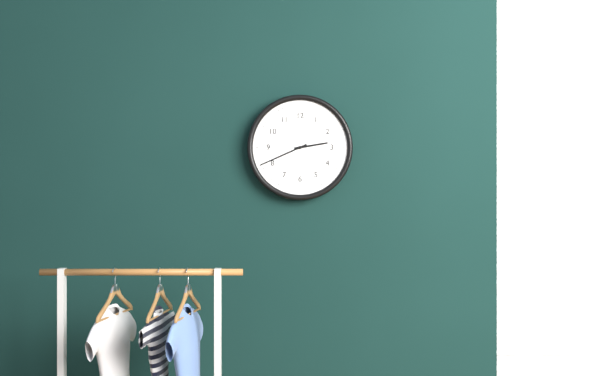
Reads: 2,41
